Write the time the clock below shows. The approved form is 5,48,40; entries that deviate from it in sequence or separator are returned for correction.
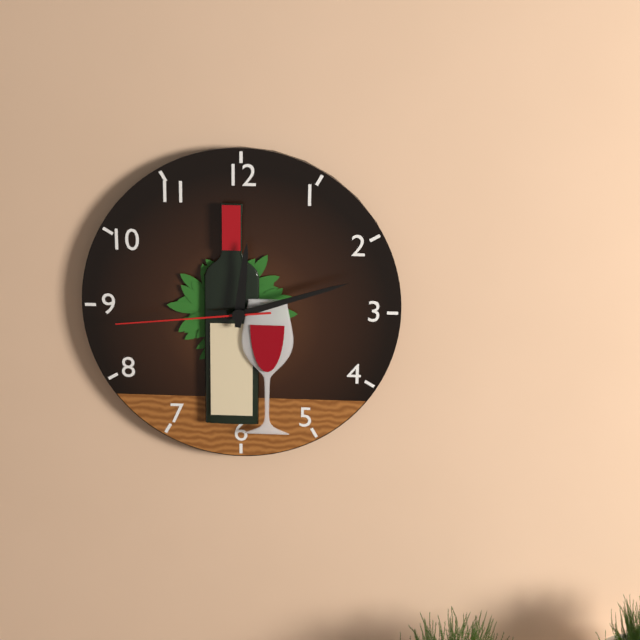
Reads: 12,12,44
